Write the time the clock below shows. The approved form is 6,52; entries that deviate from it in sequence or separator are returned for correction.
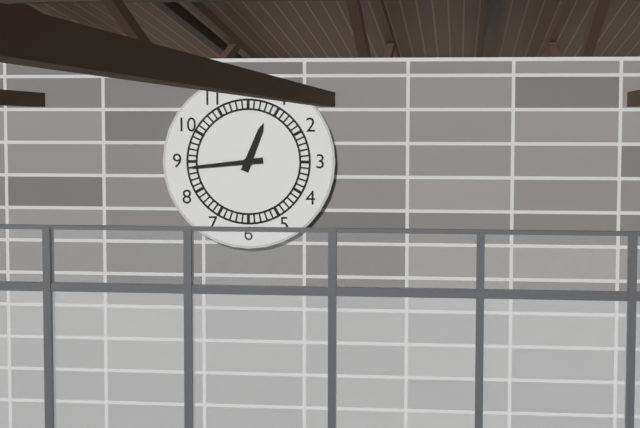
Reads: 12,44
